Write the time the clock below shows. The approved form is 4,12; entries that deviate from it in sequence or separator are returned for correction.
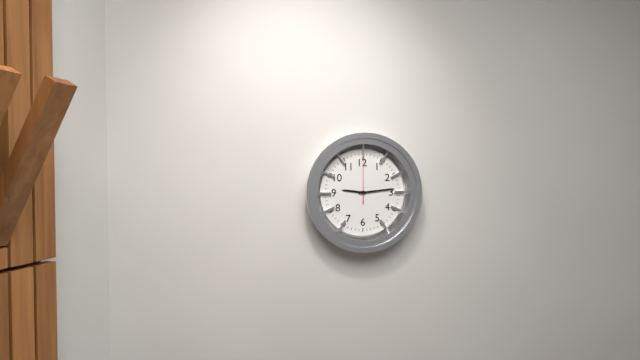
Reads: 9,14
